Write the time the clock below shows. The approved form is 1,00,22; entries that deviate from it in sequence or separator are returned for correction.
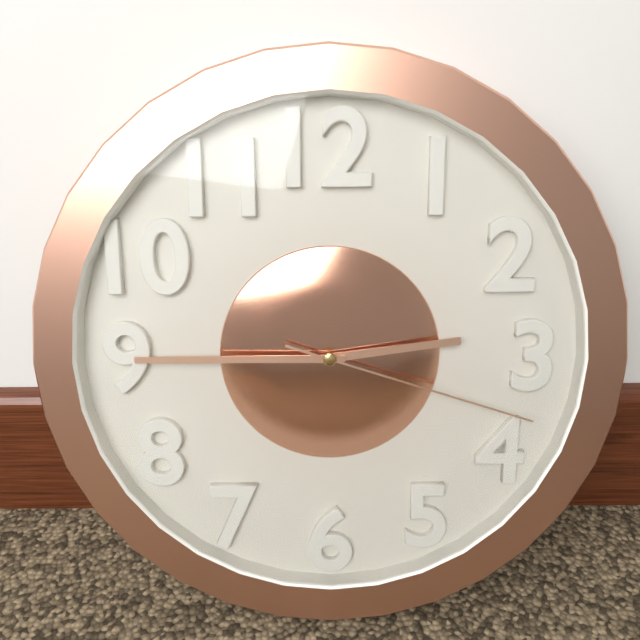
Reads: 2,45,18
